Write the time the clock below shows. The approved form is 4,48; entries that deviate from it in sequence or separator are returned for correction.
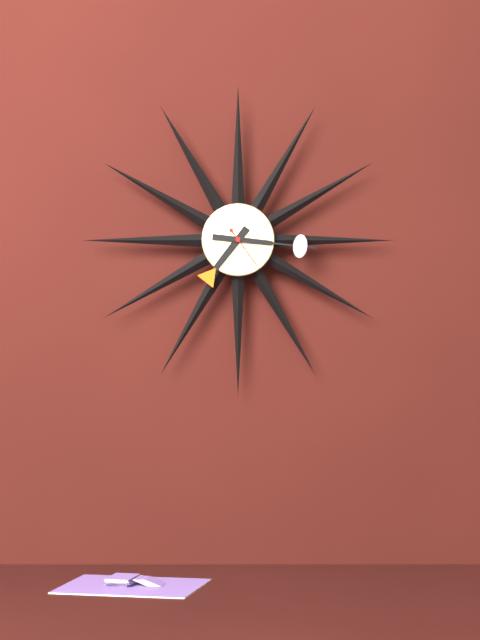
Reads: 7,16
